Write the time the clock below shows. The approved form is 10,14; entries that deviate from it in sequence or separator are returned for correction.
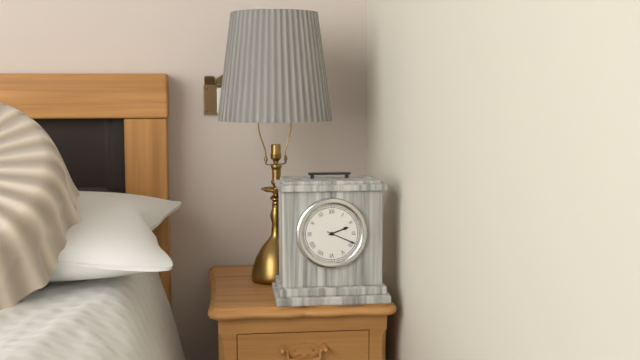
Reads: 2,19
